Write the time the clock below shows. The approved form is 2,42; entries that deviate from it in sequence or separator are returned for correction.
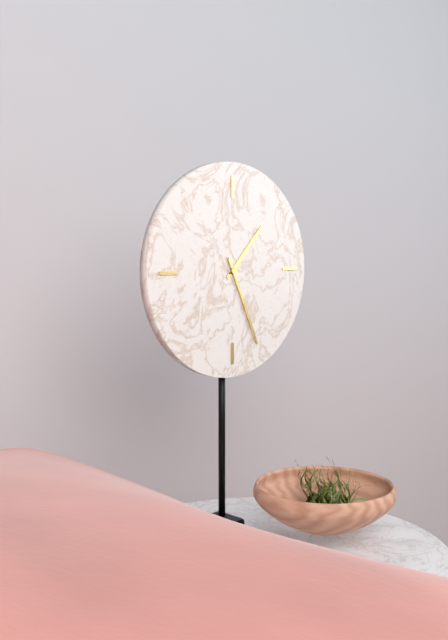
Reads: 1,26
